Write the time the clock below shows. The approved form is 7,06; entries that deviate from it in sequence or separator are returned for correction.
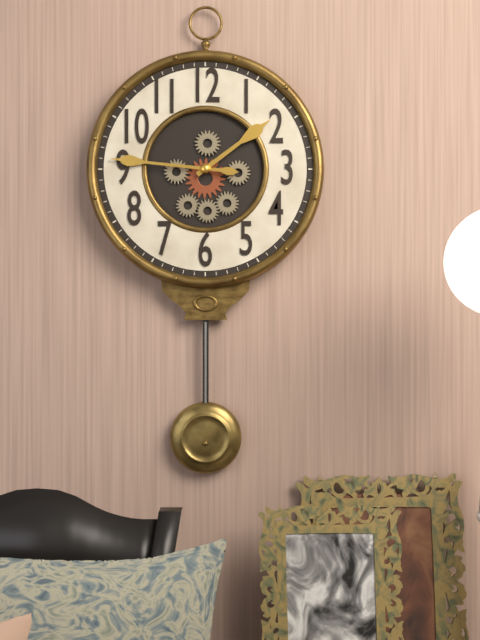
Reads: 1,46
